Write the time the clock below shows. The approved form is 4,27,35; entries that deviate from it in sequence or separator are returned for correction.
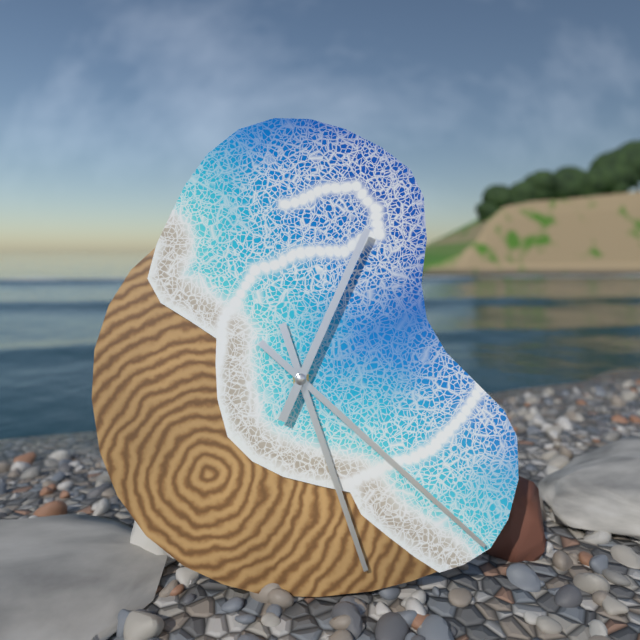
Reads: 5,22,04
